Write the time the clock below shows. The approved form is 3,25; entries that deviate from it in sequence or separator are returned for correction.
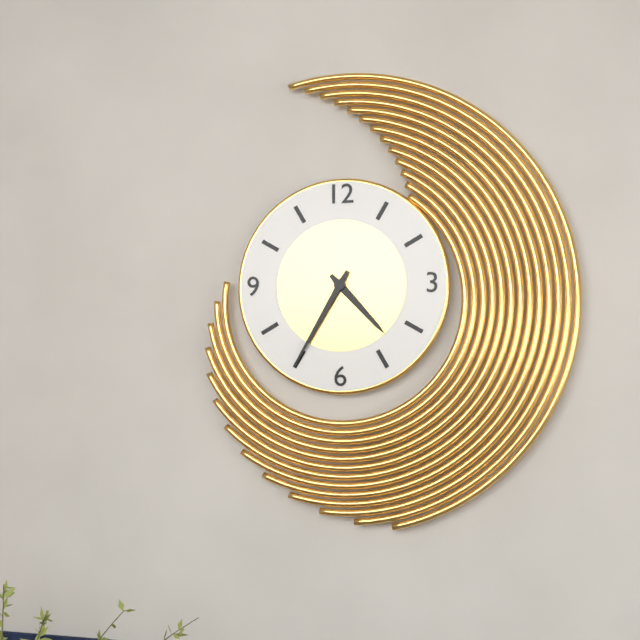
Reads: 4,35
